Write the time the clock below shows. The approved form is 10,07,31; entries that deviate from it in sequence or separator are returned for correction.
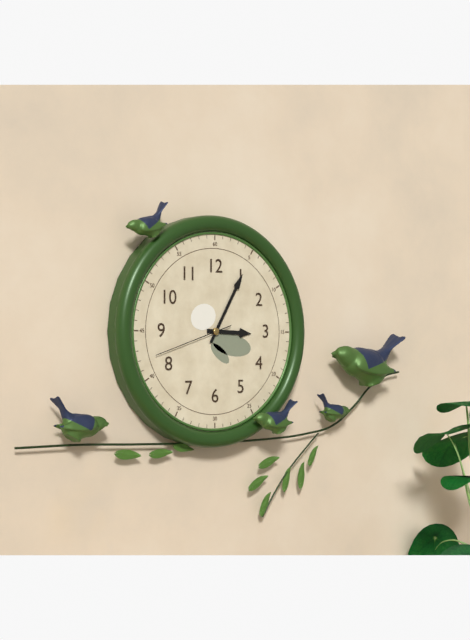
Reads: 3,05,42
